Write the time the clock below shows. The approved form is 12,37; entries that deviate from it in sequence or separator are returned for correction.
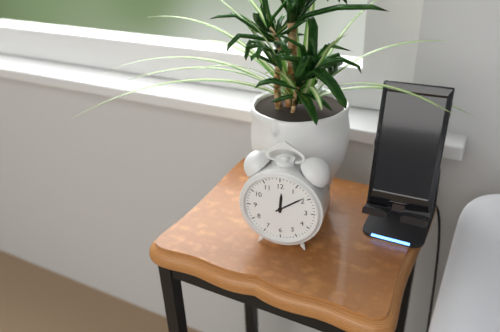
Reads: 12,09
